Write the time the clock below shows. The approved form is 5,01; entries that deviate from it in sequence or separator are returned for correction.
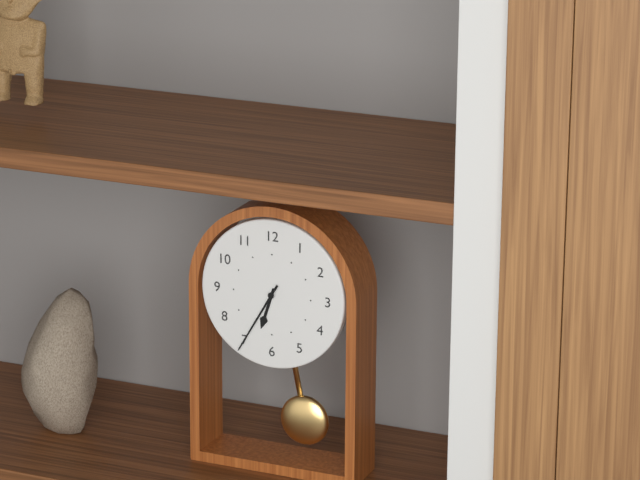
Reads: 6,35
